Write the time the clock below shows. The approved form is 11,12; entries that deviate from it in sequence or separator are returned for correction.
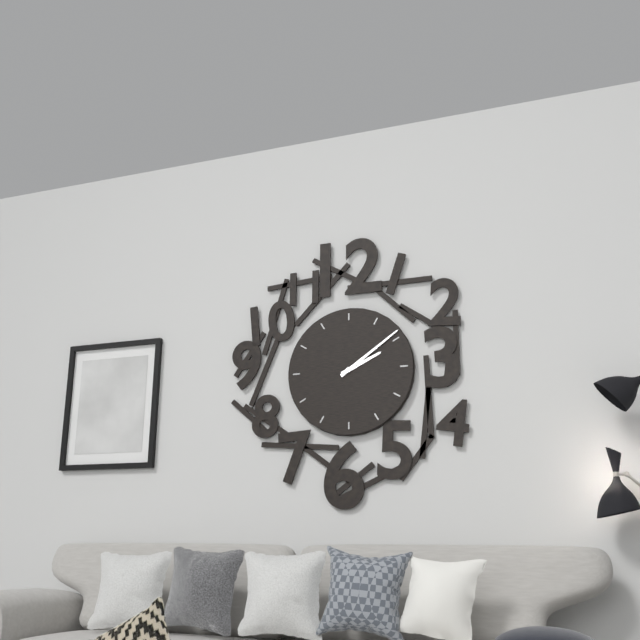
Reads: 2,09
